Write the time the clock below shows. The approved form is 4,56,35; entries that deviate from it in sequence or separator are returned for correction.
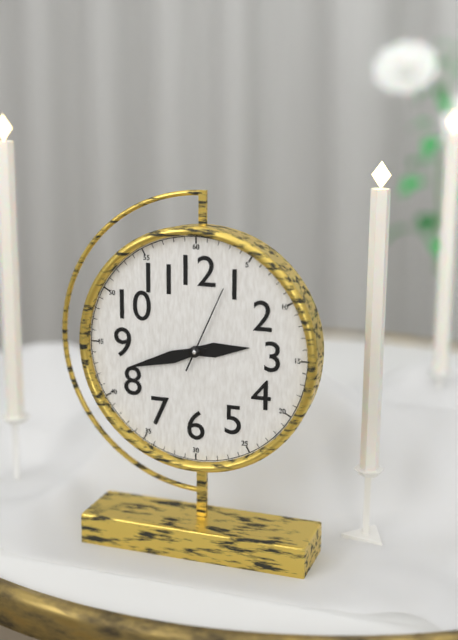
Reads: 2,42,04
